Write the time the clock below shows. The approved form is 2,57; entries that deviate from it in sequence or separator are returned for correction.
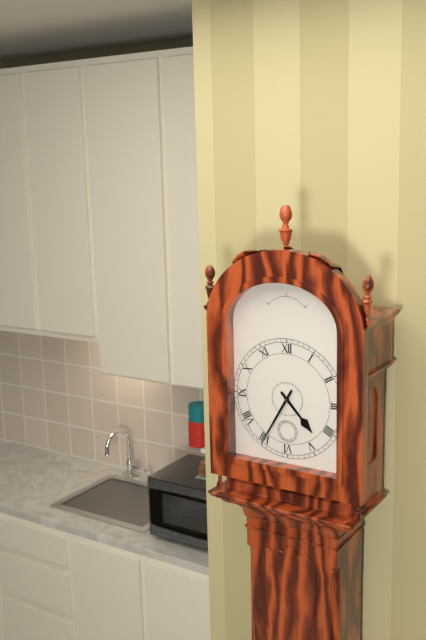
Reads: 4,35
